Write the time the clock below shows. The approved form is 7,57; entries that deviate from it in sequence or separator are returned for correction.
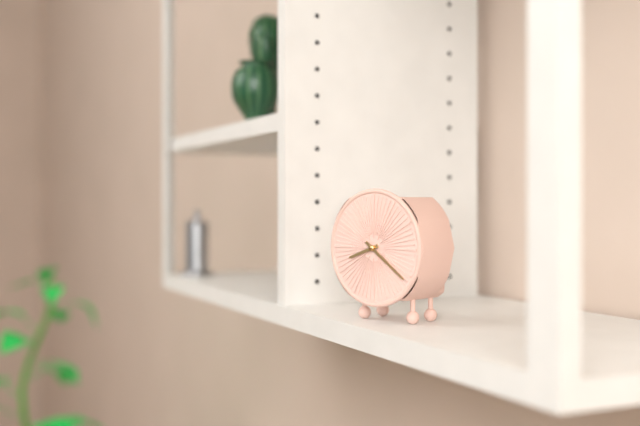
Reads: 8,21
